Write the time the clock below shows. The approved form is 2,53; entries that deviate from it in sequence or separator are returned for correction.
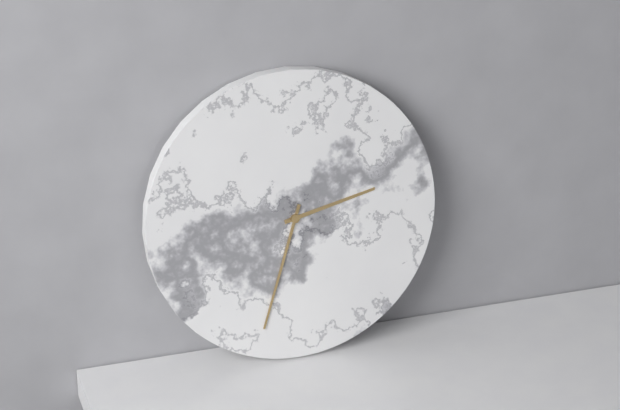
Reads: 2,33
